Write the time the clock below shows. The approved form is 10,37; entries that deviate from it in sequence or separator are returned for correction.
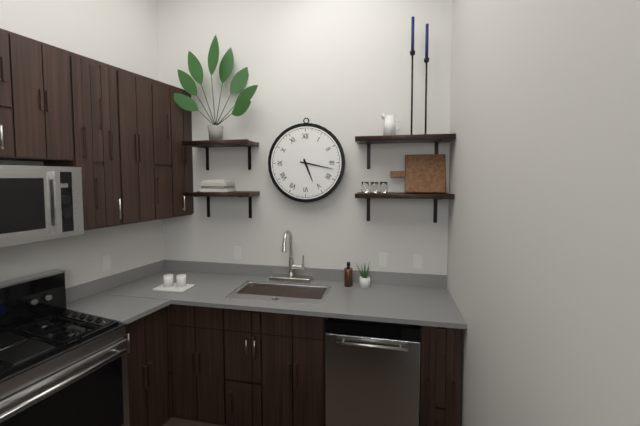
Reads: 5,17
